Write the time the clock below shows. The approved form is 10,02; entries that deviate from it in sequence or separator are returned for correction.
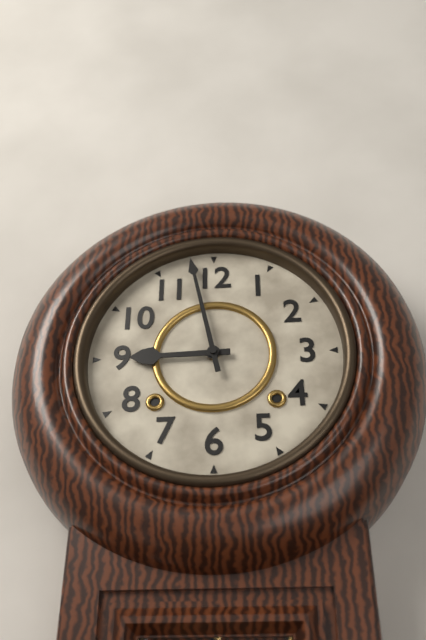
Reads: 8,58
